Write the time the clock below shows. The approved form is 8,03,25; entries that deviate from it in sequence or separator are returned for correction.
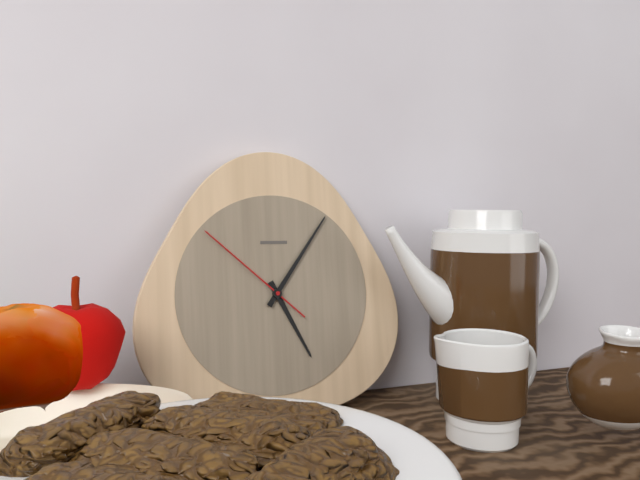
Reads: 5,06,52
